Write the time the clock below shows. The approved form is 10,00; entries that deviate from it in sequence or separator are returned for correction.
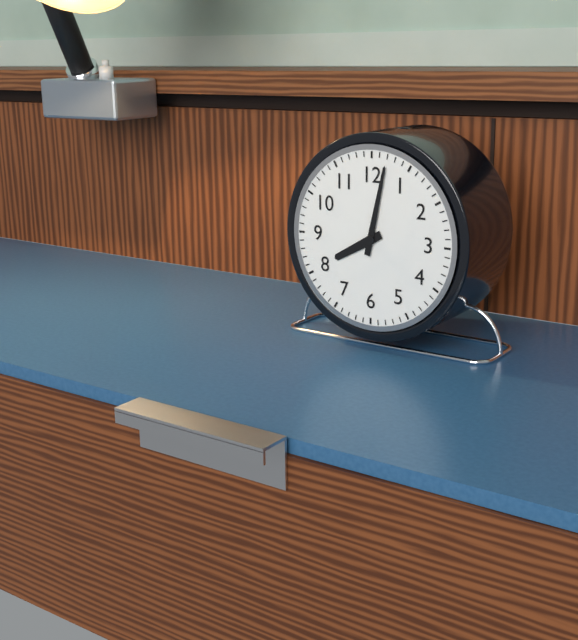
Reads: 8,02
